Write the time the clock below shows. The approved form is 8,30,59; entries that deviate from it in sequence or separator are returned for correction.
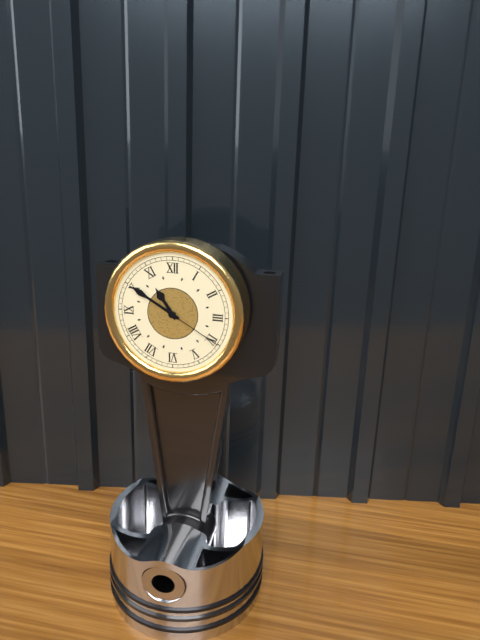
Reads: 10,50,20
